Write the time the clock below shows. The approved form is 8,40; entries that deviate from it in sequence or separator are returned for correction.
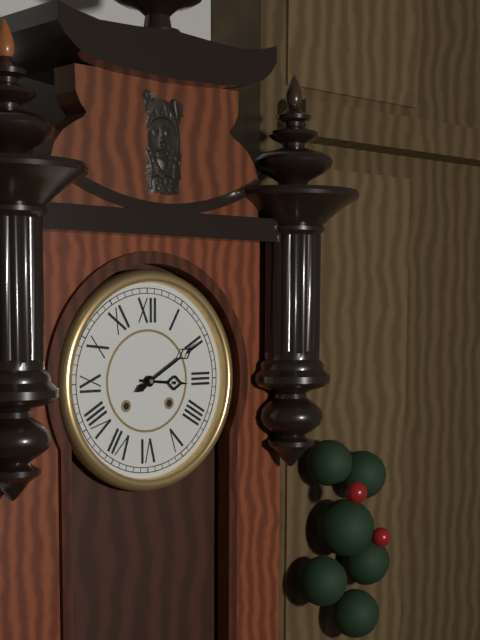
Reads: 3,10
